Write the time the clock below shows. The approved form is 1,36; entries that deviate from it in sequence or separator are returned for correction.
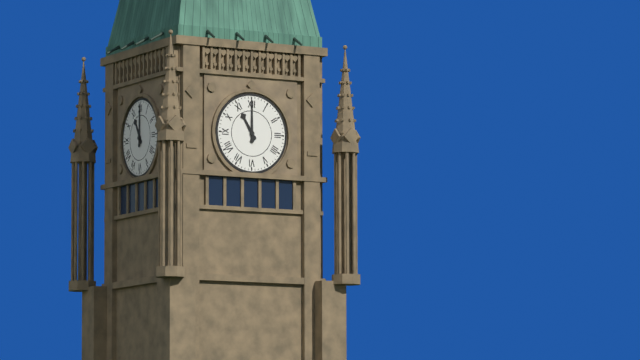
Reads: 11,00
